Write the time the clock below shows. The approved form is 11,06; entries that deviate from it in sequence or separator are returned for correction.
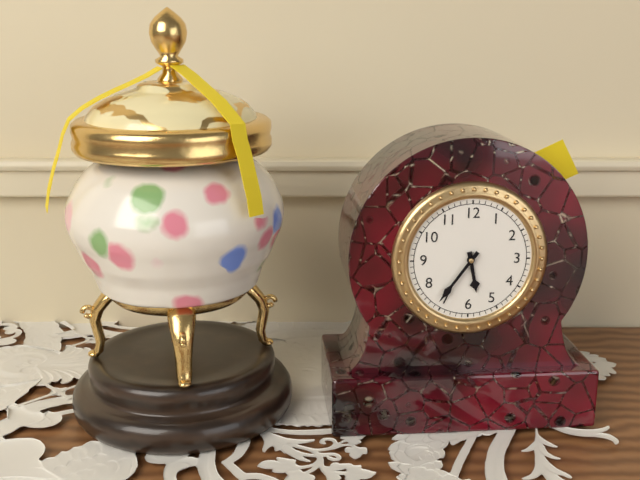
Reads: 5,36
